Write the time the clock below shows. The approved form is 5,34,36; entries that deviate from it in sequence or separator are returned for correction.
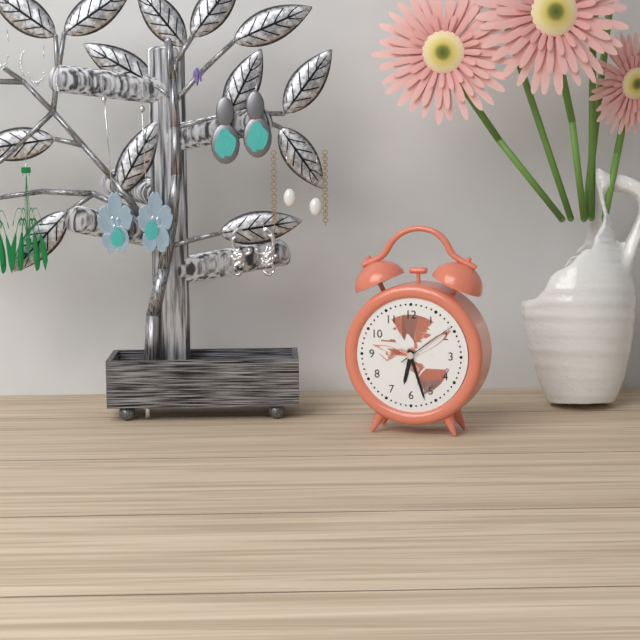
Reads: 6,27,09
